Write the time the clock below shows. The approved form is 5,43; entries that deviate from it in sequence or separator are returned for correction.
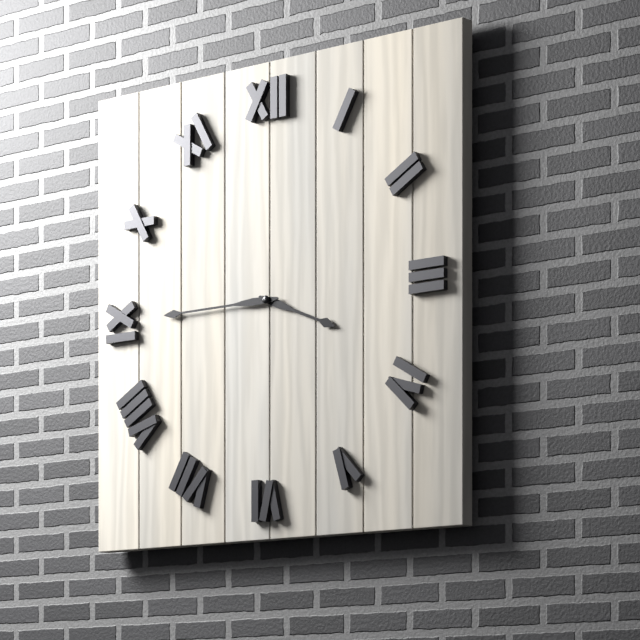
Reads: 3,45
